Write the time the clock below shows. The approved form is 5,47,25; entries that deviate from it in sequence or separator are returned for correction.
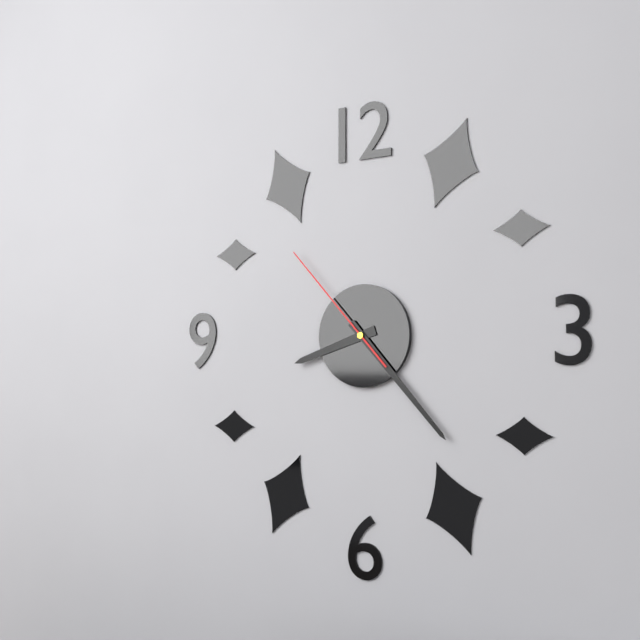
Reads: 8,23,53
